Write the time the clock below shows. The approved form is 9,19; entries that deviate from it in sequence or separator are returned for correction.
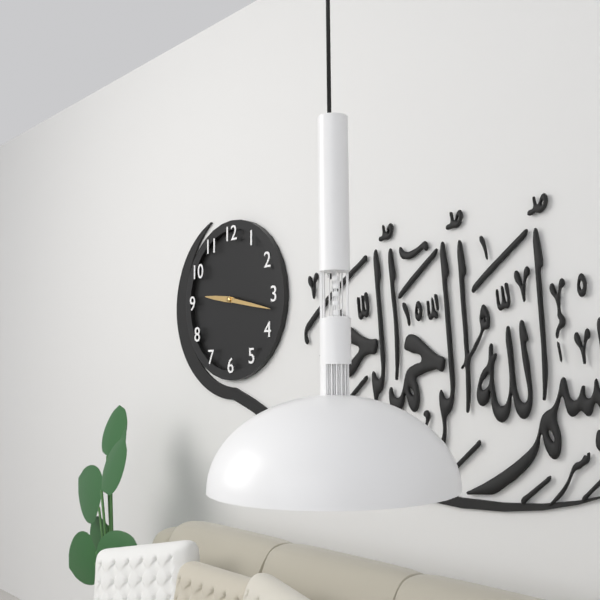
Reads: 9,17
